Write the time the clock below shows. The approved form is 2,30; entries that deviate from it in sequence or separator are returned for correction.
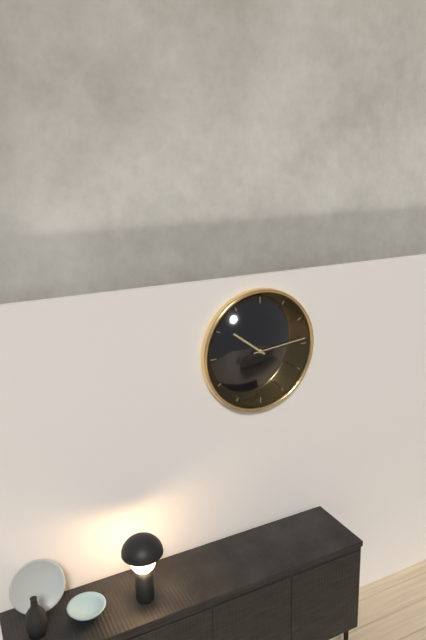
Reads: 10,14
